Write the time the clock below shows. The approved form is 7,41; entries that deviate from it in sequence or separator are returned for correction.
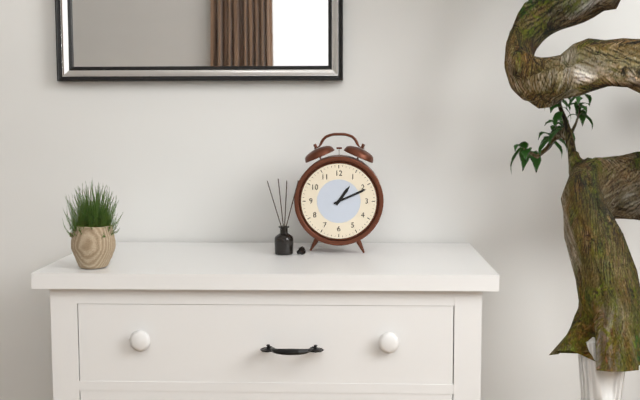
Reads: 1,11
